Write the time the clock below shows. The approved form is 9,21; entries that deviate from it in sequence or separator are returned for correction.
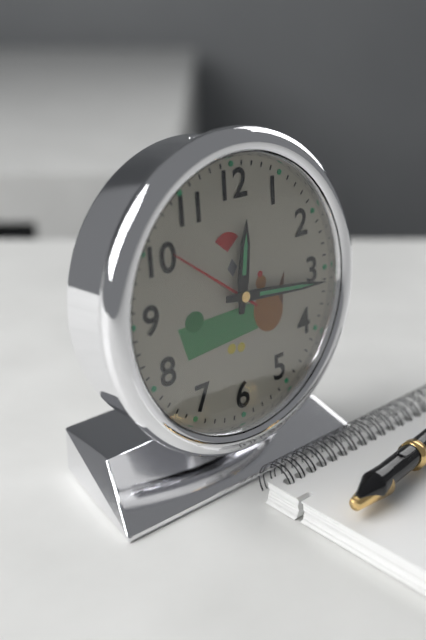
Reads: 12,16
